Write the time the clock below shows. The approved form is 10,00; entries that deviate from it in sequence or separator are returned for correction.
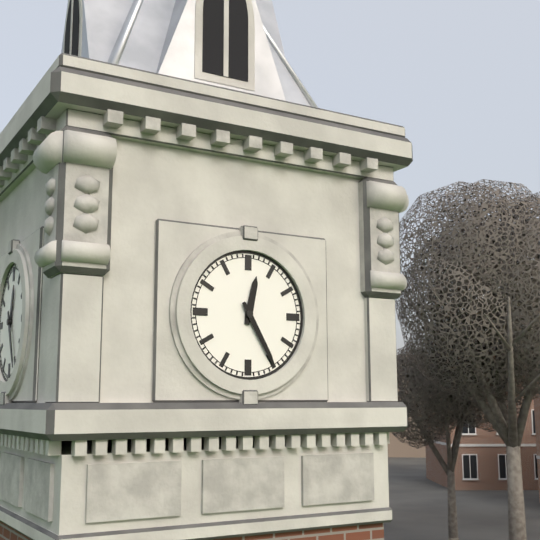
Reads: 12,25
